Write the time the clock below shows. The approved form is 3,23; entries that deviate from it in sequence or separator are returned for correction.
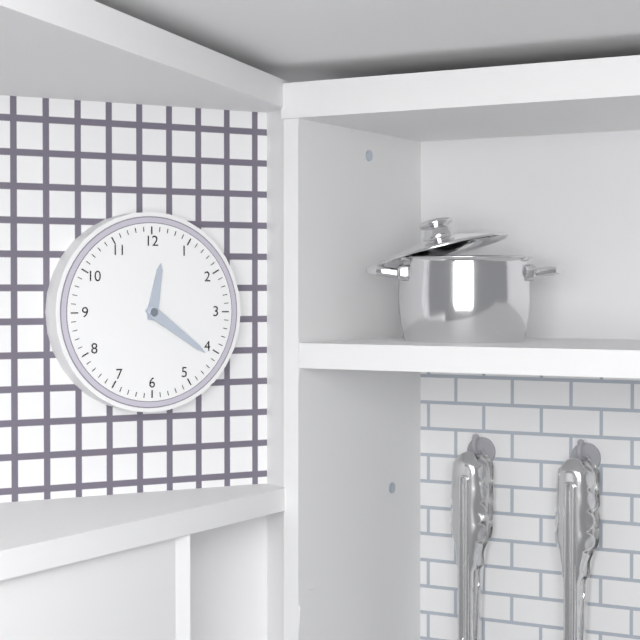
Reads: 12,21
